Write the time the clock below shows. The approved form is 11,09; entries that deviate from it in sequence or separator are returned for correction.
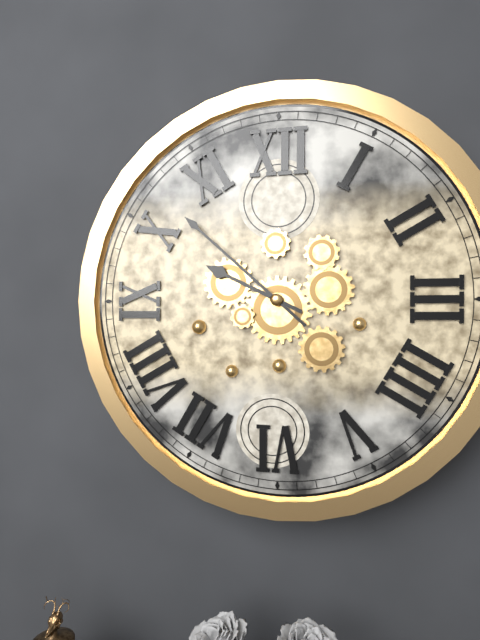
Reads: 9,52
